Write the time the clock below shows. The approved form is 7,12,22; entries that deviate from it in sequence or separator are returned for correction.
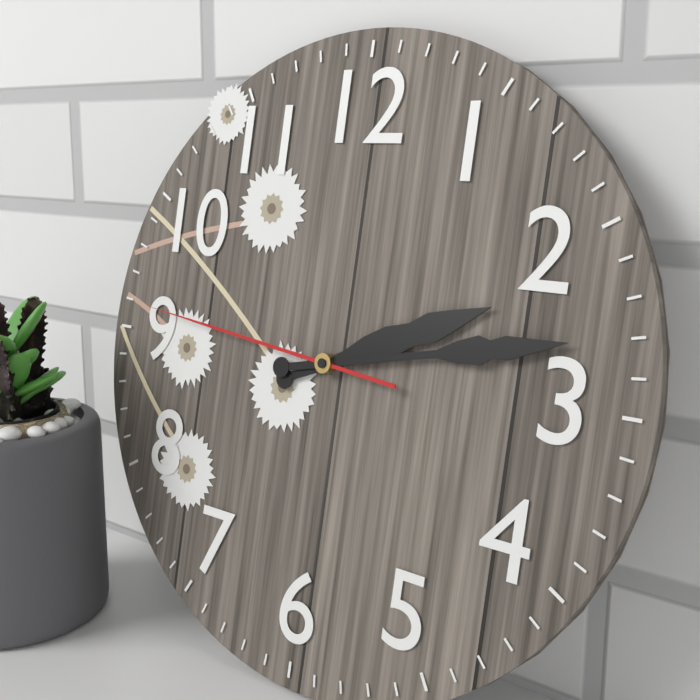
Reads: 2,13,46
